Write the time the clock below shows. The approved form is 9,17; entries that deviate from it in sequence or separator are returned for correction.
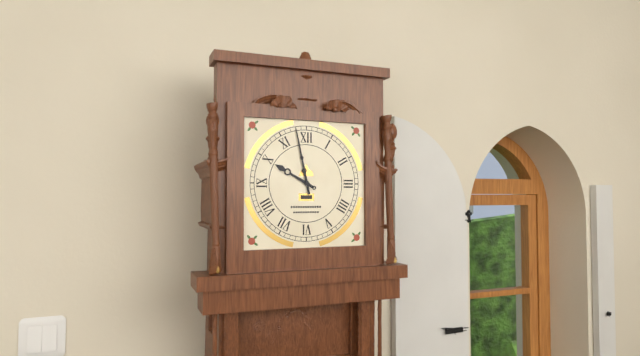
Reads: 9,58
